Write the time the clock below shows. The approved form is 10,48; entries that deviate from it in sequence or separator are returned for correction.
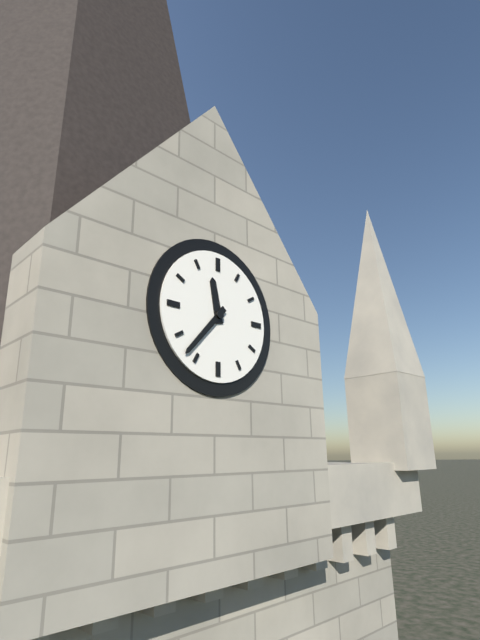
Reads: 11,37
